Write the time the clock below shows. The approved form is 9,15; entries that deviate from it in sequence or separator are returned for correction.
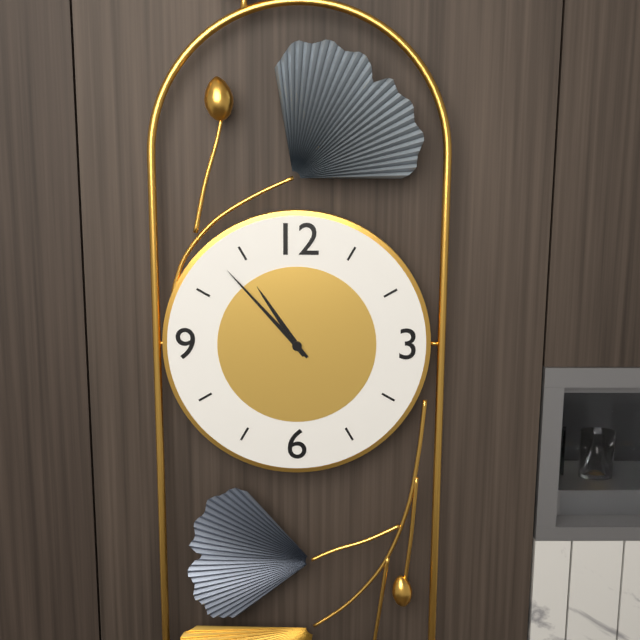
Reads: 10,53
